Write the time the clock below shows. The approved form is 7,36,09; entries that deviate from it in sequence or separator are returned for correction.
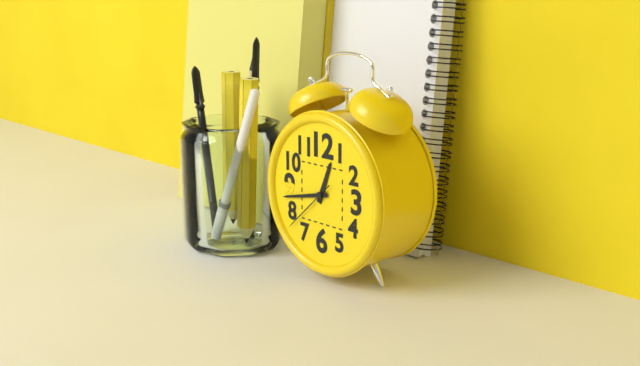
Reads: 12,43,38
